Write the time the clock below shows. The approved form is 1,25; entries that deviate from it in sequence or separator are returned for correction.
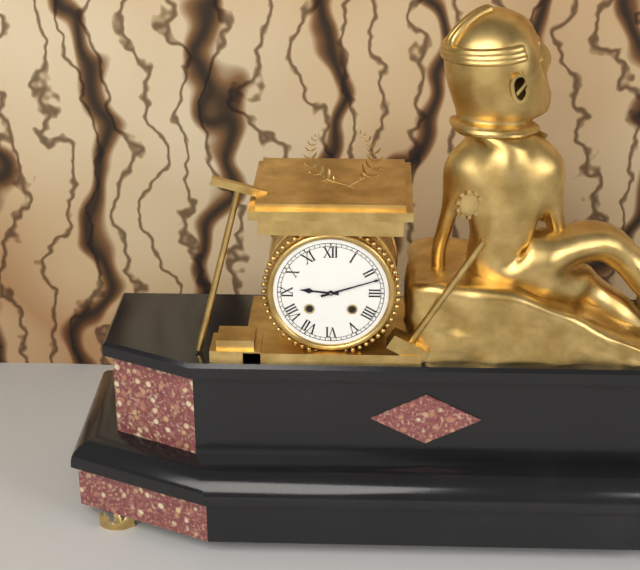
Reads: 9,12
